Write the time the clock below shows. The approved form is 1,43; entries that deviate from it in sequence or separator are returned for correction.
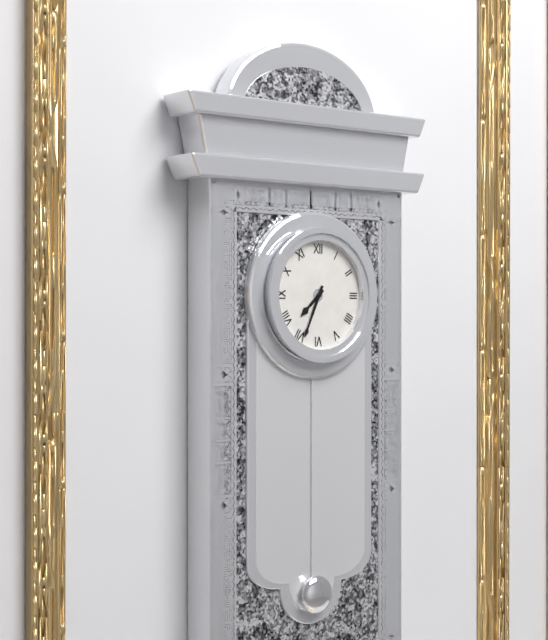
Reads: 7,34
